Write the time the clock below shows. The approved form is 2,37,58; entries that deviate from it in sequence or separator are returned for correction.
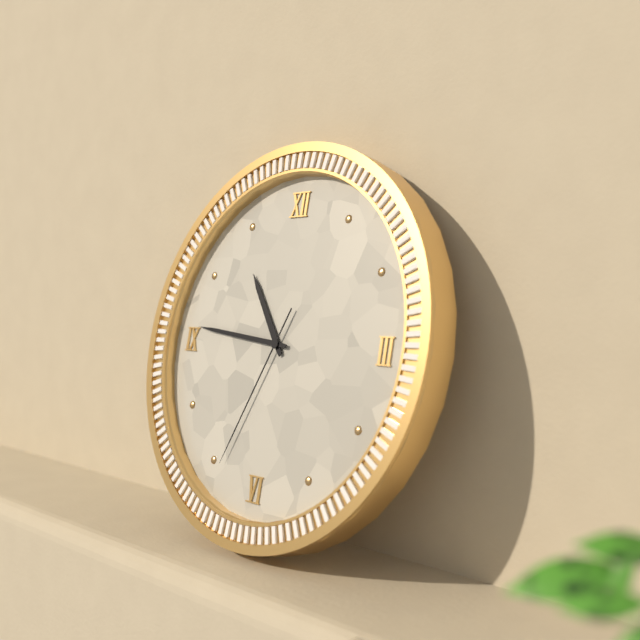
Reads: 10,46,34
